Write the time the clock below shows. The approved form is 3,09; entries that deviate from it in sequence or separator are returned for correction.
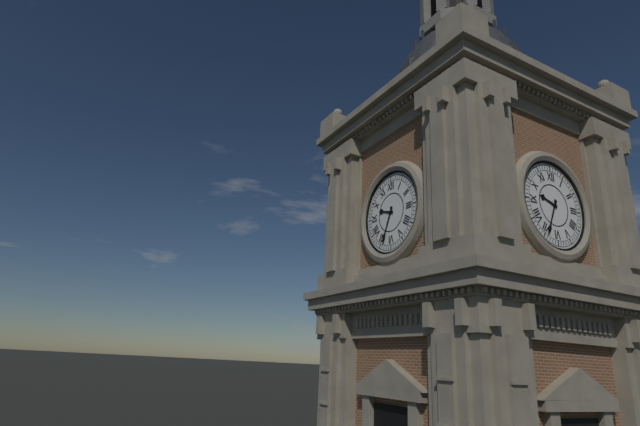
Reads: 9,34
